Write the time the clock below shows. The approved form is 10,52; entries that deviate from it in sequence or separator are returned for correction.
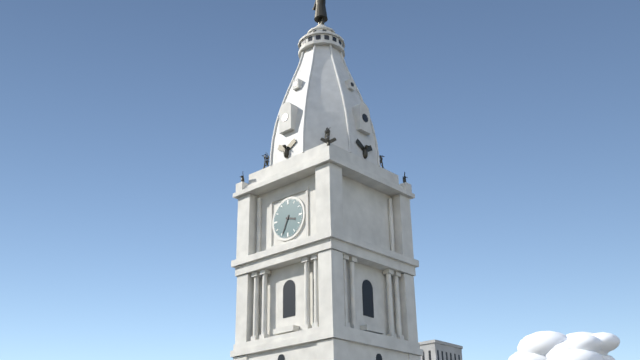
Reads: 3,34
